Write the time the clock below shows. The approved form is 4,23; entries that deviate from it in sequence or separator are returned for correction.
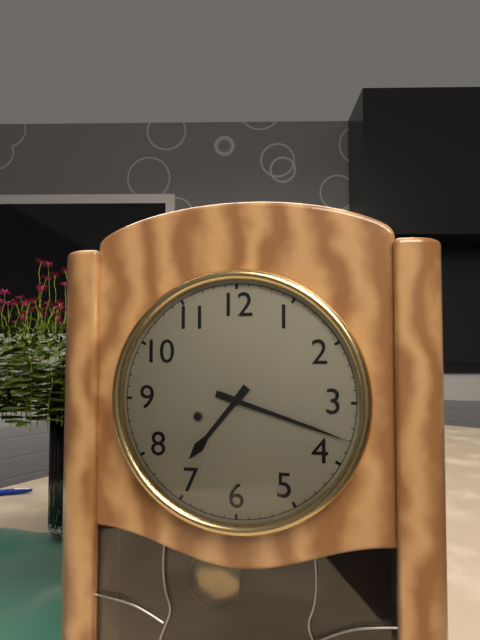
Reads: 7,18
